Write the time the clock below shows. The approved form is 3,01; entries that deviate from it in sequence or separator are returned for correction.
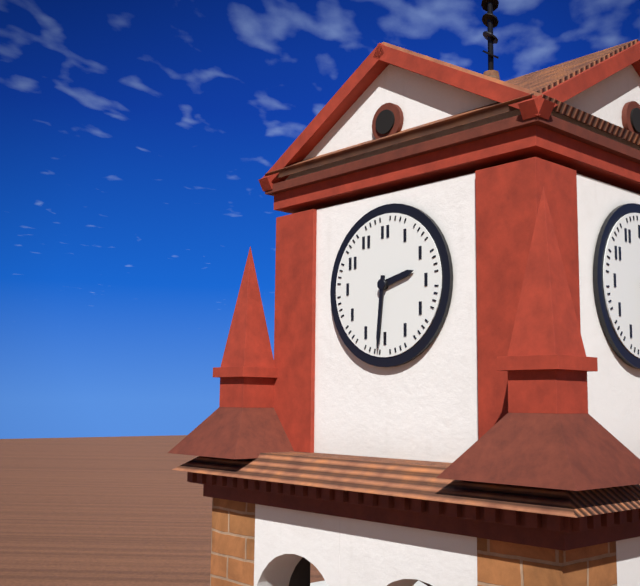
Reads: 2,31
